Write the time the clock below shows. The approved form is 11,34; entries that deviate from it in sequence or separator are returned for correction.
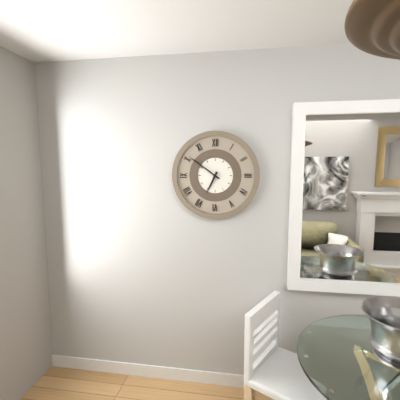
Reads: 6,51
